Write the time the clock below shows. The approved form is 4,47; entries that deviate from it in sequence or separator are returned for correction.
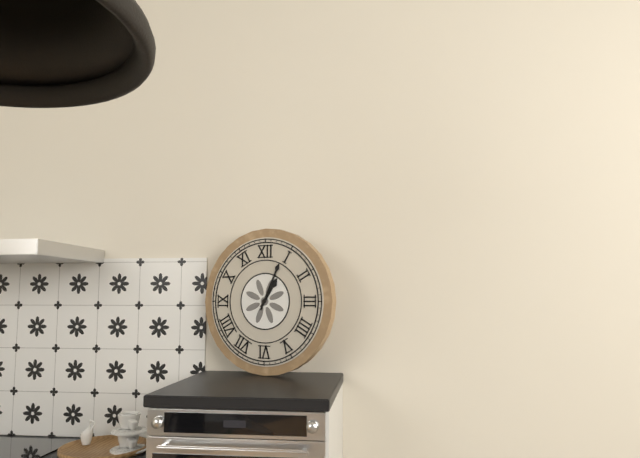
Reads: 1,04
